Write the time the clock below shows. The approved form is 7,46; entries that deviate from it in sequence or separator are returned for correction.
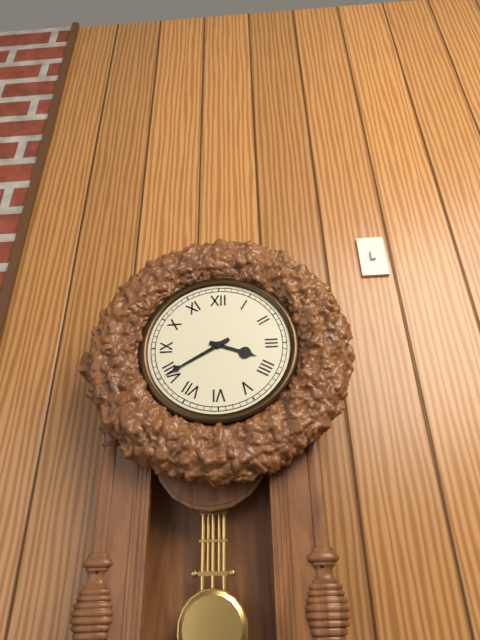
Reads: 3,40
